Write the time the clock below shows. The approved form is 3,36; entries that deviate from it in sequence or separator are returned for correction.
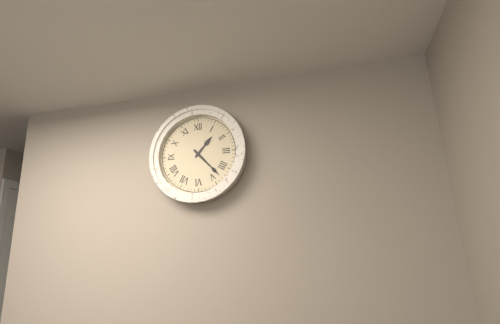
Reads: 1,23
